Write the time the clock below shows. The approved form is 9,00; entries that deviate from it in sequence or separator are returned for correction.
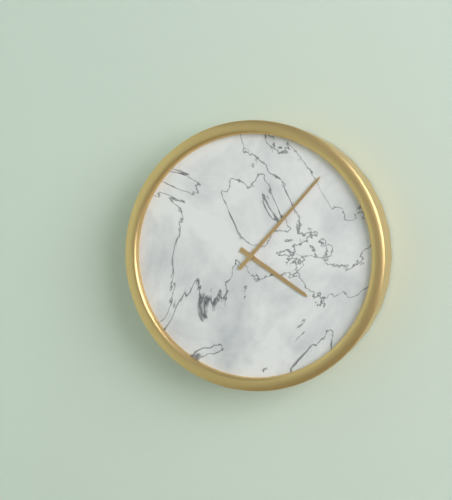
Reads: 4,07
